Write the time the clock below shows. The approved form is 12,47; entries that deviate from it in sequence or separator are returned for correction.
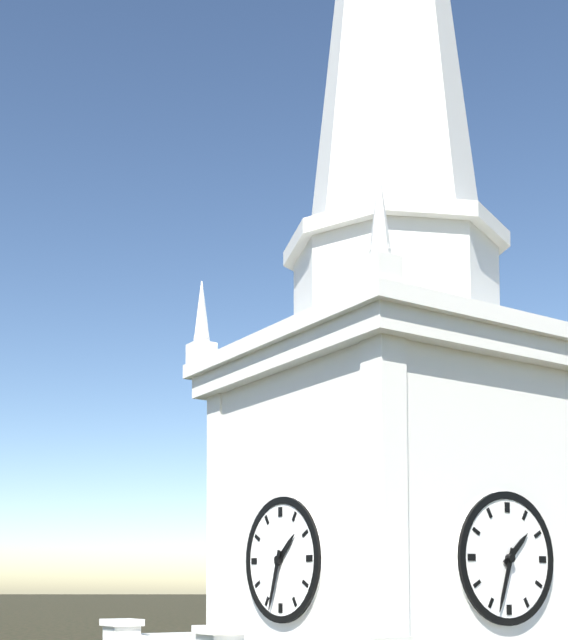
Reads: 1,33
